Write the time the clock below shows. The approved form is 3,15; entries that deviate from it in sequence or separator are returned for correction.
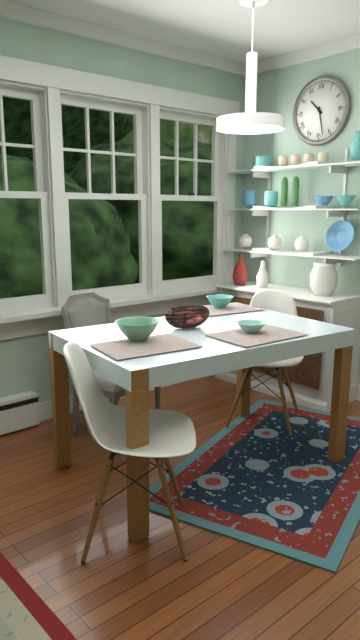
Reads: 10,28
